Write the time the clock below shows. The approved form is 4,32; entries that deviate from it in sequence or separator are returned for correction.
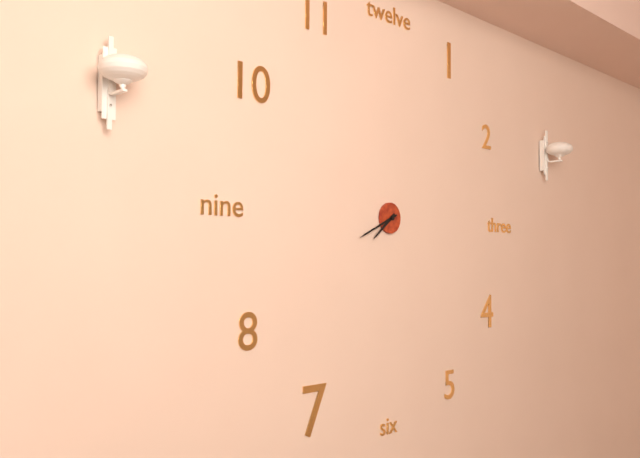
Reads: 7,41
